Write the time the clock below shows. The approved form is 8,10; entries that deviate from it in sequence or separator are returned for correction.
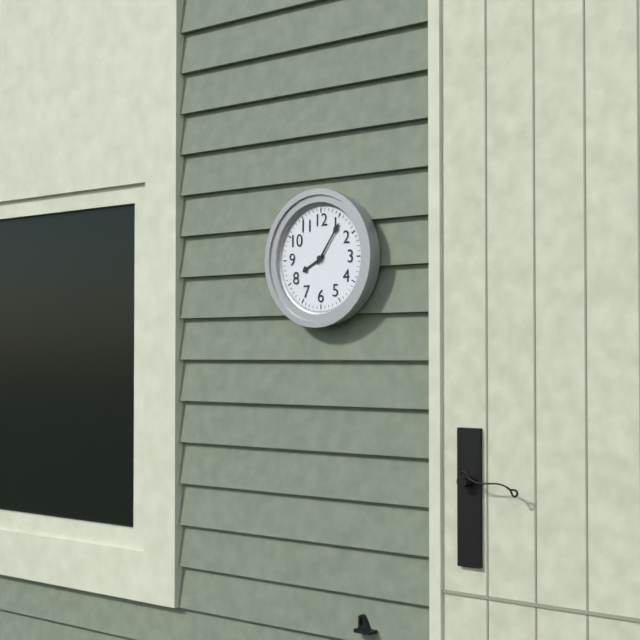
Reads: 8,06
